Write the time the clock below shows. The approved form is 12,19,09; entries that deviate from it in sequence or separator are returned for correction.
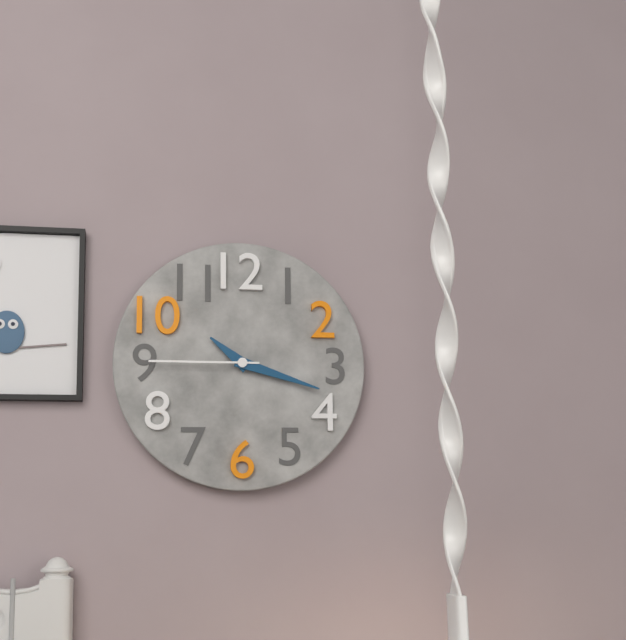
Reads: 10,18,45
